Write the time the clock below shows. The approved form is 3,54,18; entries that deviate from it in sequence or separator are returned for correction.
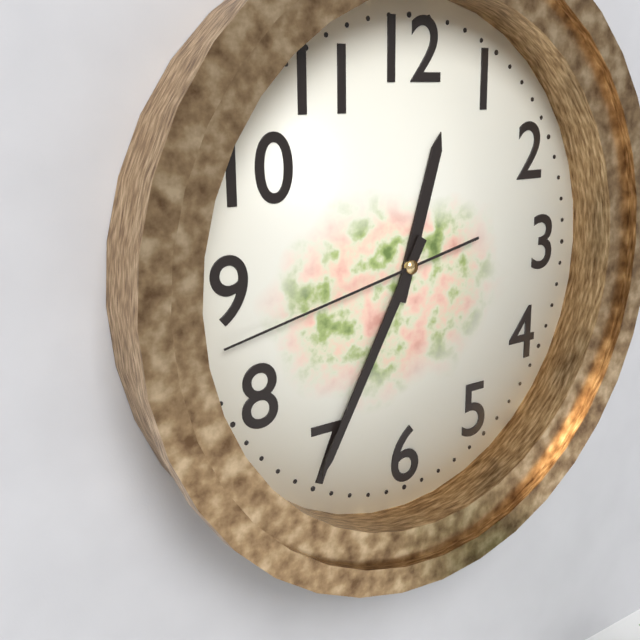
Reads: 12,35,43
